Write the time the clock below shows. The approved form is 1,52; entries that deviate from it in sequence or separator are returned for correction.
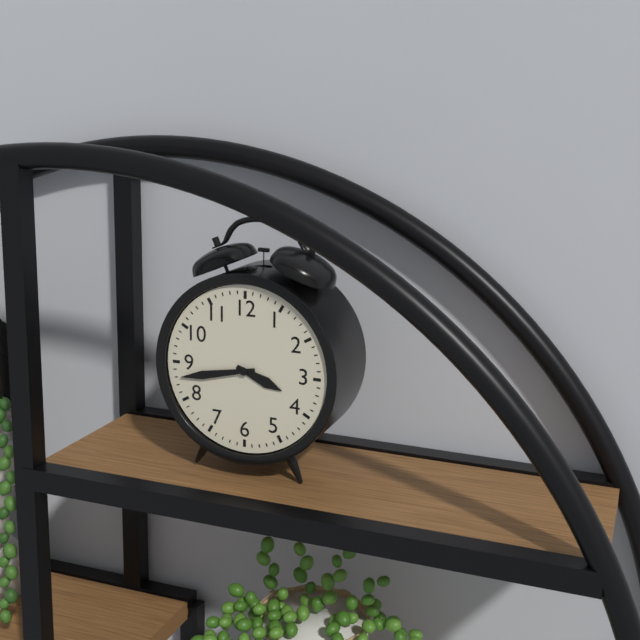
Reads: 3,43
